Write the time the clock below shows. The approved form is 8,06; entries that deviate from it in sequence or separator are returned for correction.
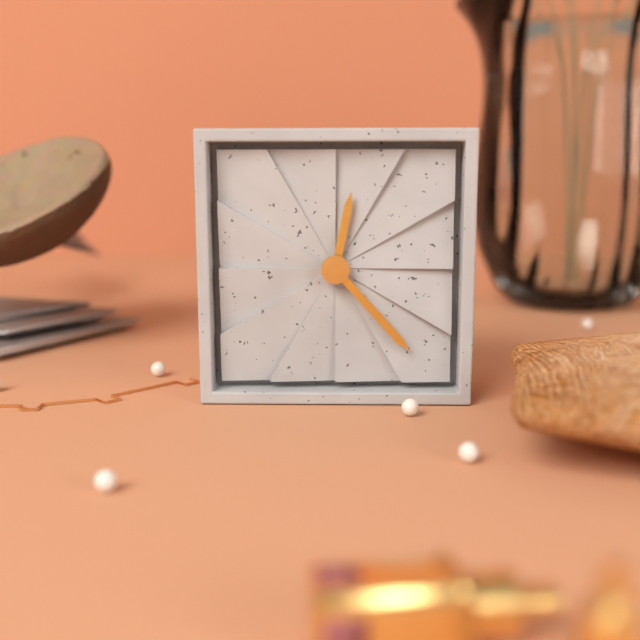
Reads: 12,23
